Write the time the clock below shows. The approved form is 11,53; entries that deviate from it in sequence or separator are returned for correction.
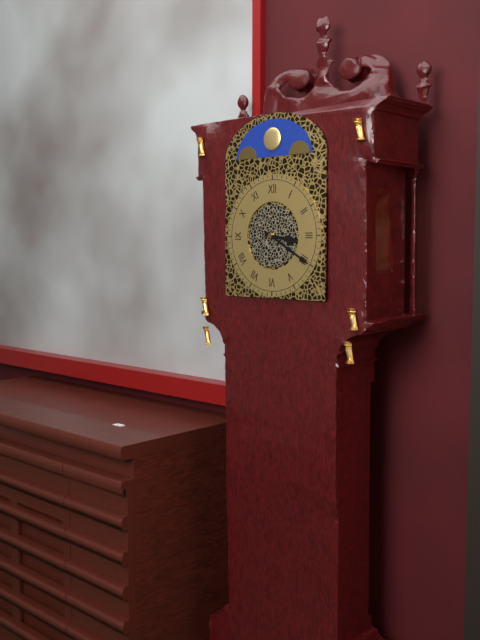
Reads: 3,20
